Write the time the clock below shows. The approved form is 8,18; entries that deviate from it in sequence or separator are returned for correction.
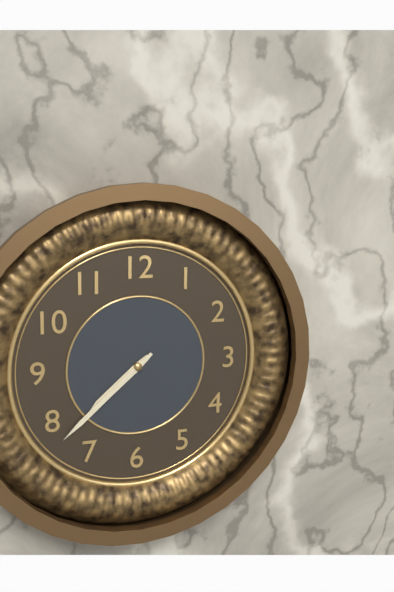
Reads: 7,38
